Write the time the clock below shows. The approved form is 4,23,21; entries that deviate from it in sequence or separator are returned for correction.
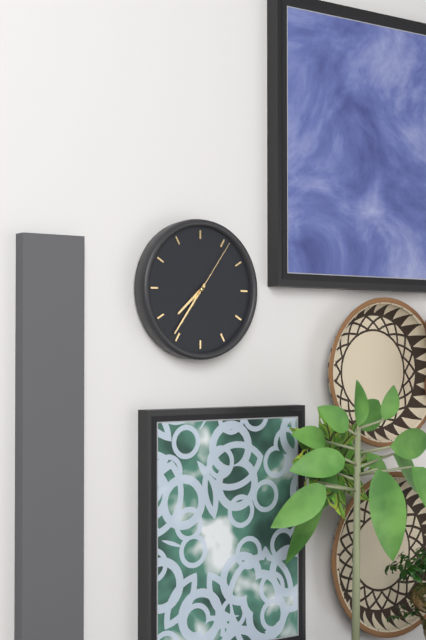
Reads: 7,36,06
